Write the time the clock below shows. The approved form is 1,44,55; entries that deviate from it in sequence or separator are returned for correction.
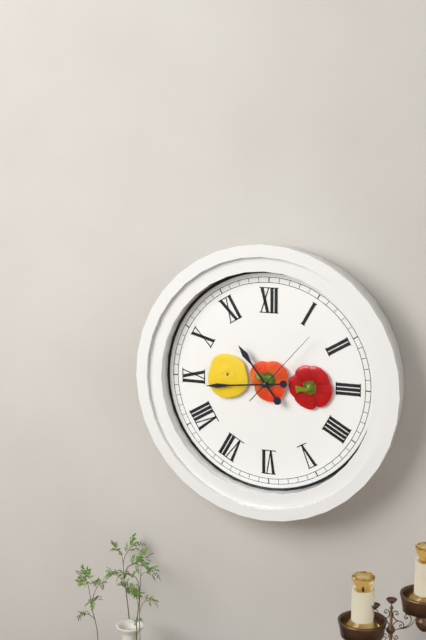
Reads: 10,44,07
